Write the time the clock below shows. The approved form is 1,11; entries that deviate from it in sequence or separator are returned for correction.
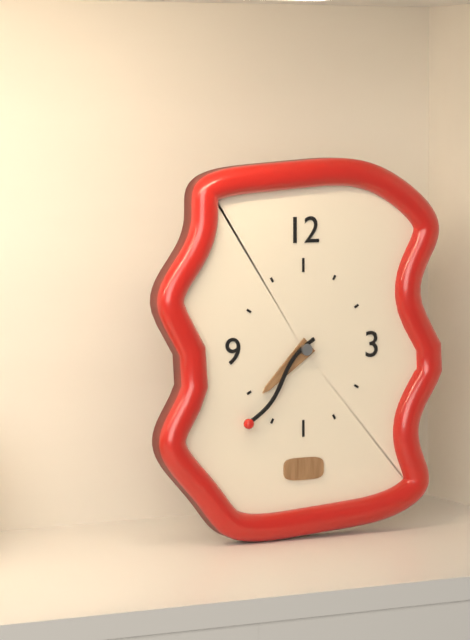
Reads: 7,37
